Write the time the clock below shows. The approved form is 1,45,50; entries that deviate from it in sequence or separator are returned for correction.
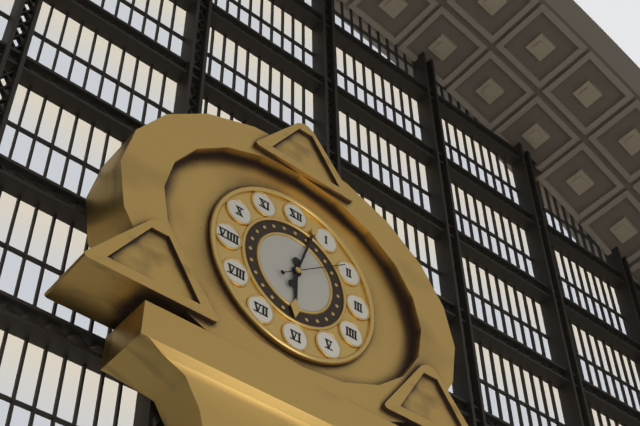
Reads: 6,03,09
